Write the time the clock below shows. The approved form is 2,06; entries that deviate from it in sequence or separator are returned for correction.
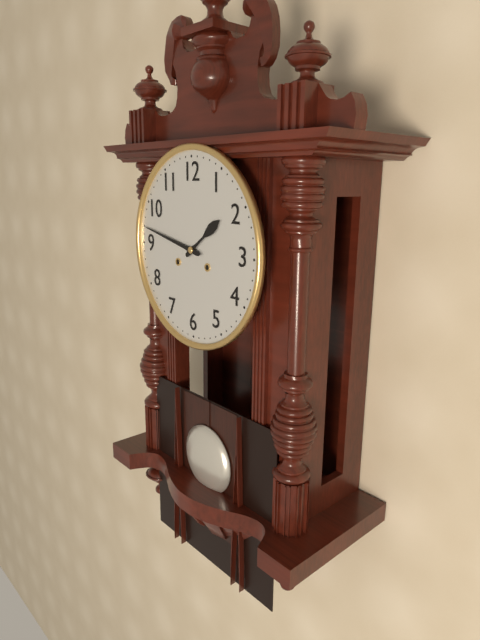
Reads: 1,47
